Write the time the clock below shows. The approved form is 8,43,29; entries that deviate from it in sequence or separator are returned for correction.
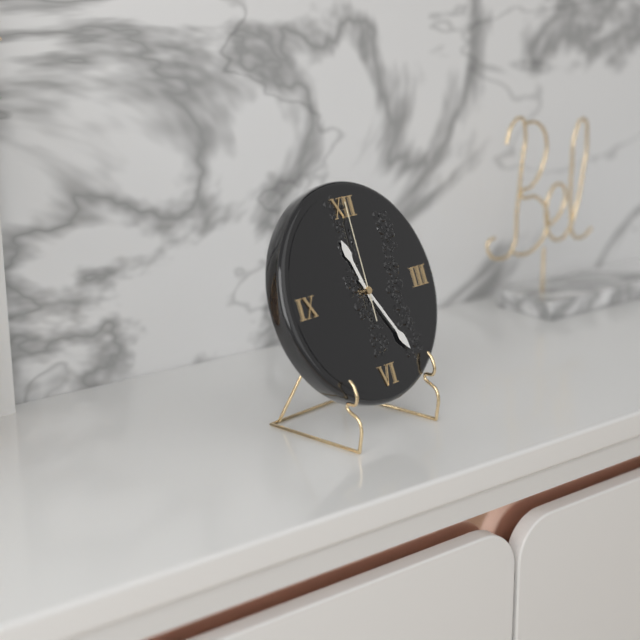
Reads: 11,25,00
